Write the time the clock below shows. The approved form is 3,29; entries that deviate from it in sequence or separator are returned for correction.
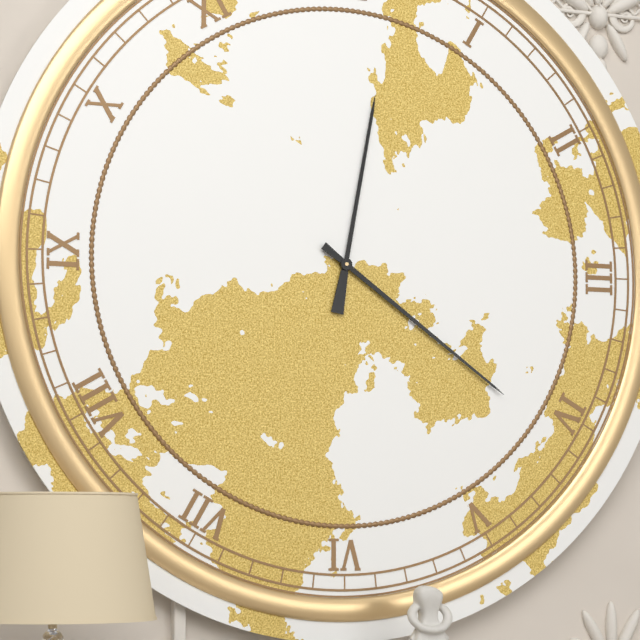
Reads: 12,21
